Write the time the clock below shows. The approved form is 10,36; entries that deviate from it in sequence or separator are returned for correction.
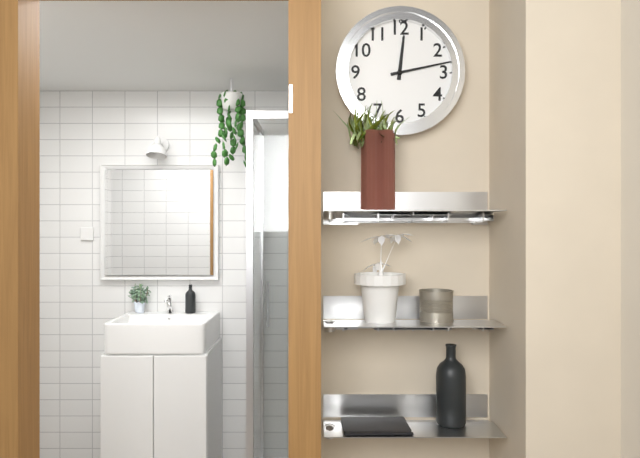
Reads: 12,13
